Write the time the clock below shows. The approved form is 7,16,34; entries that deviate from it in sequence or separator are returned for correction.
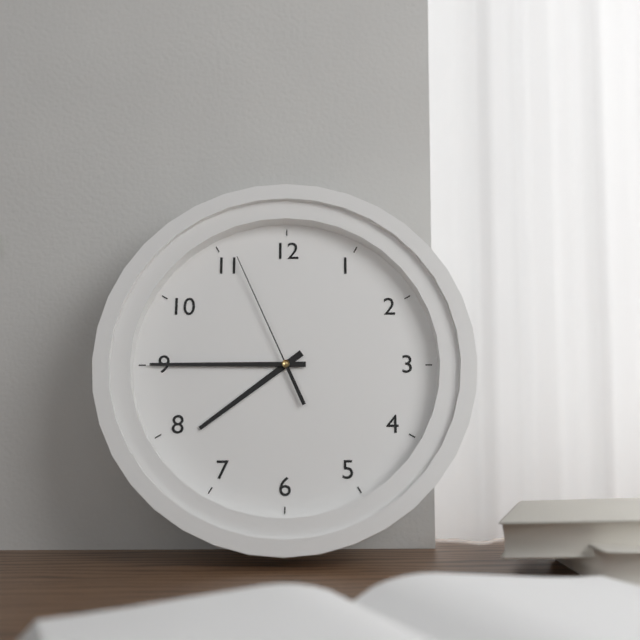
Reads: 7,45,56
